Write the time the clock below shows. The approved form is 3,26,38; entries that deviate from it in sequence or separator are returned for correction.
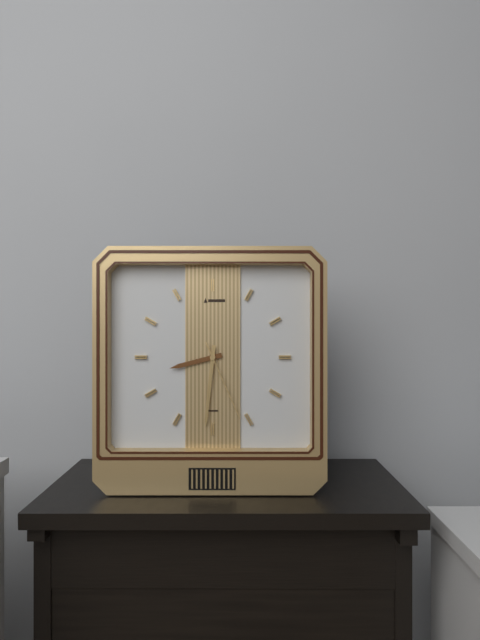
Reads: 8,31,26
